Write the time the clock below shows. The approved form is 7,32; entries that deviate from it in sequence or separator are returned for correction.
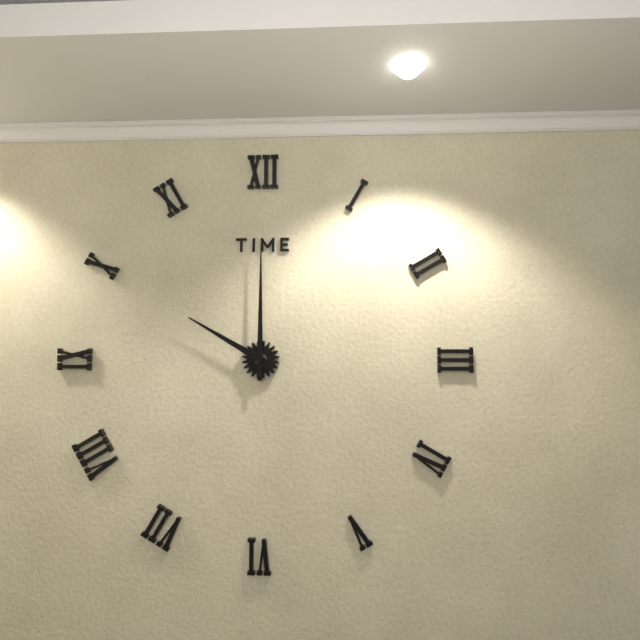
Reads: 10,00
